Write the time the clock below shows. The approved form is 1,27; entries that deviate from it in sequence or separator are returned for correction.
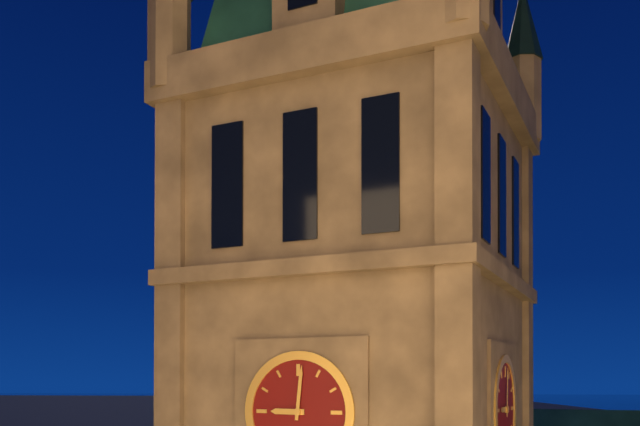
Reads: 9,01
